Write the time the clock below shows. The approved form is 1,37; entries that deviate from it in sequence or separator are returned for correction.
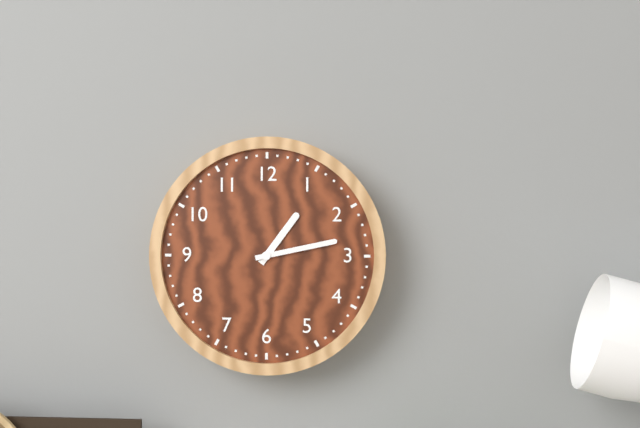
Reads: 1,13
